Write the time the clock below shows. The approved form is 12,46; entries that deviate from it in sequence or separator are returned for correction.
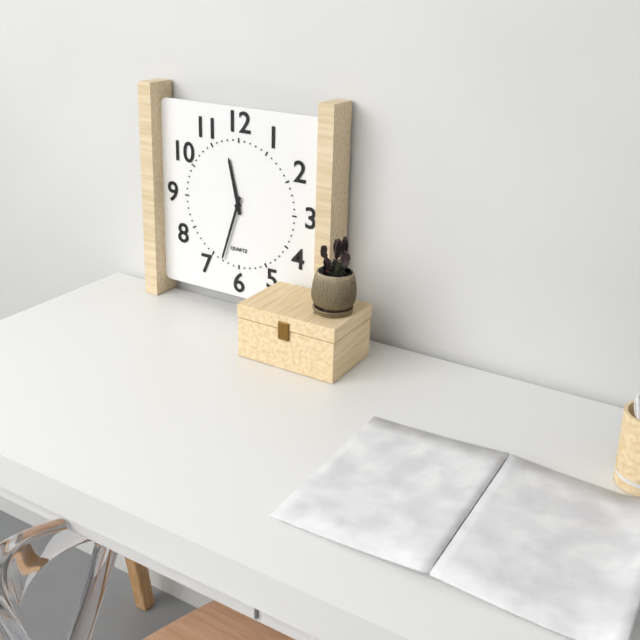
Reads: 11,33
